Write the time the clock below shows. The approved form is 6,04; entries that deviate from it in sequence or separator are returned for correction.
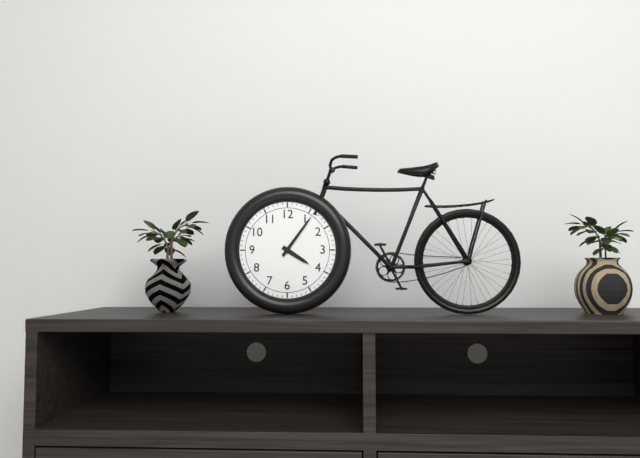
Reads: 4,06
